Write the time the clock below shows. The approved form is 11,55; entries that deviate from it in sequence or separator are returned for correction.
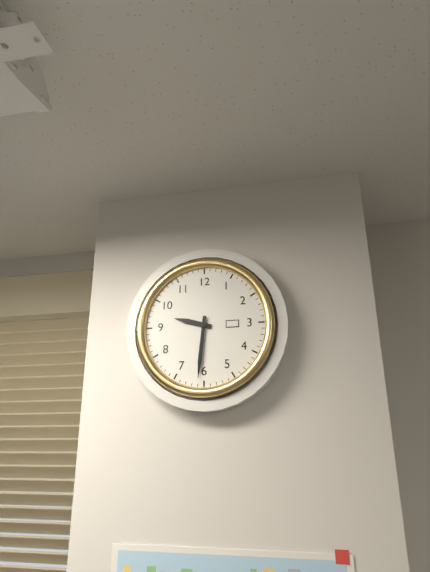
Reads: 9,31
